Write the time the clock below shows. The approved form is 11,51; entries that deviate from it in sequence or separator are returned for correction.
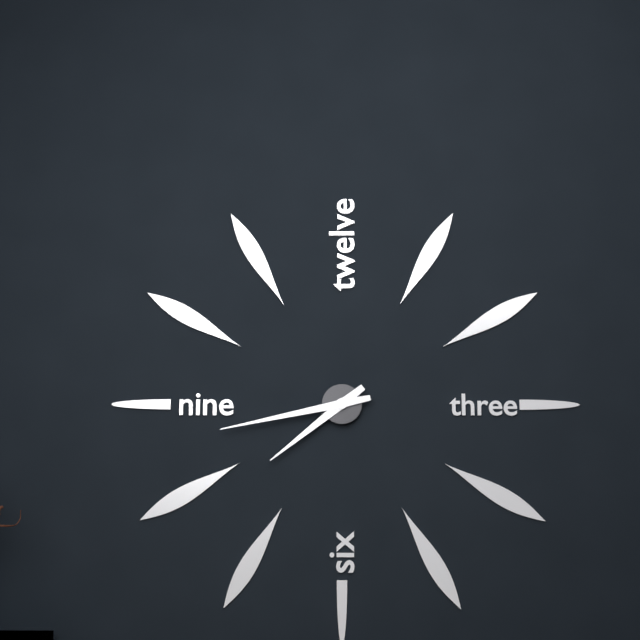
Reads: 7,43
